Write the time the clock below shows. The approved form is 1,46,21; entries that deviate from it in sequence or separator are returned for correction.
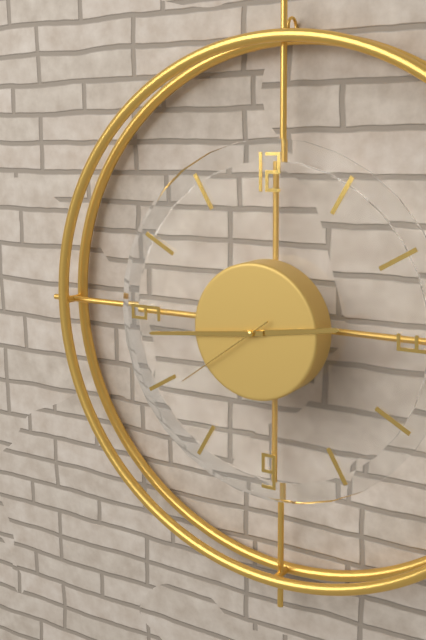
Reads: 2,44,39
